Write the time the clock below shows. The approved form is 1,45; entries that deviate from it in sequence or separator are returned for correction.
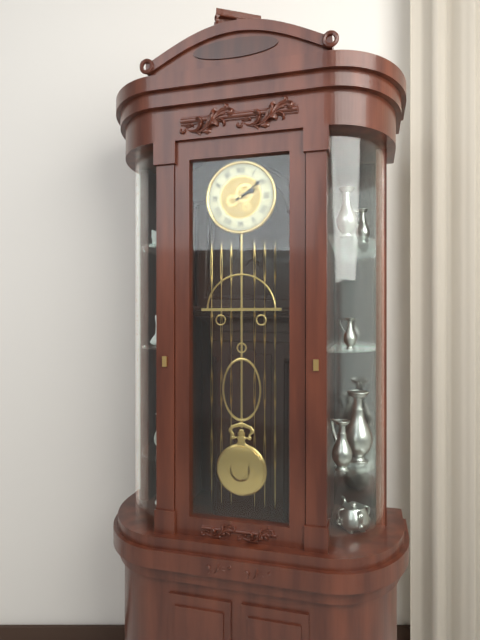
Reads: 2,09
